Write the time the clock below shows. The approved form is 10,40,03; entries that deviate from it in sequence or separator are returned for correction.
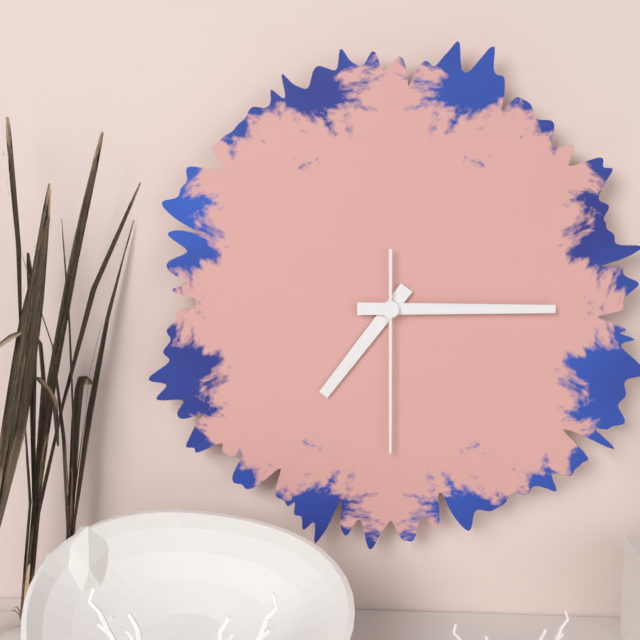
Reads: 7,15,30
